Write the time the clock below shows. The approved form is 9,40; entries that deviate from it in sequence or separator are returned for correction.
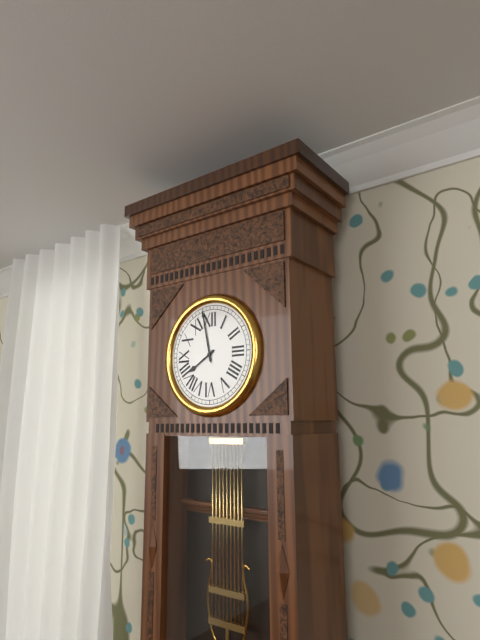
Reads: 7,58
